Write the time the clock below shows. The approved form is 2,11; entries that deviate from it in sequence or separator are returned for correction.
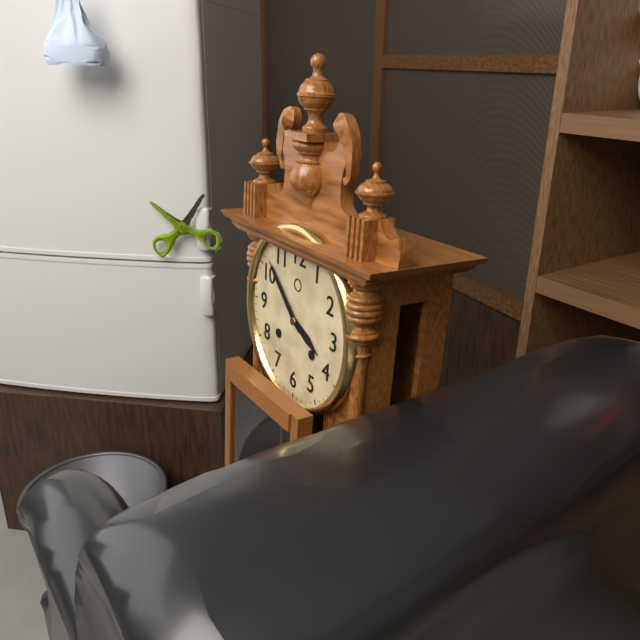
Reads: 3,52
